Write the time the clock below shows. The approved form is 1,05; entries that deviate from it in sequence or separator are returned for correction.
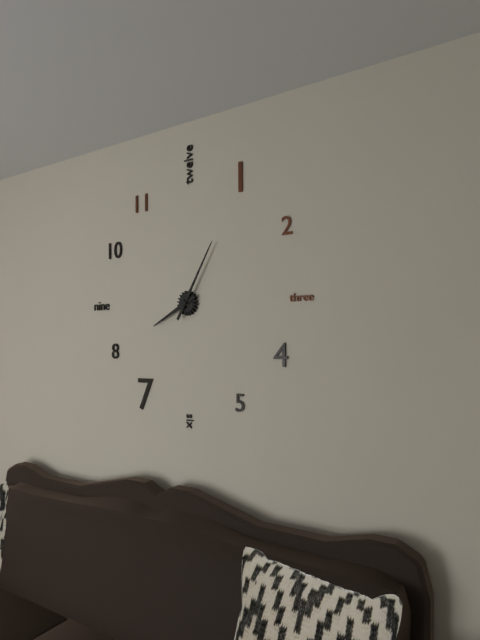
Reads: 8,05
